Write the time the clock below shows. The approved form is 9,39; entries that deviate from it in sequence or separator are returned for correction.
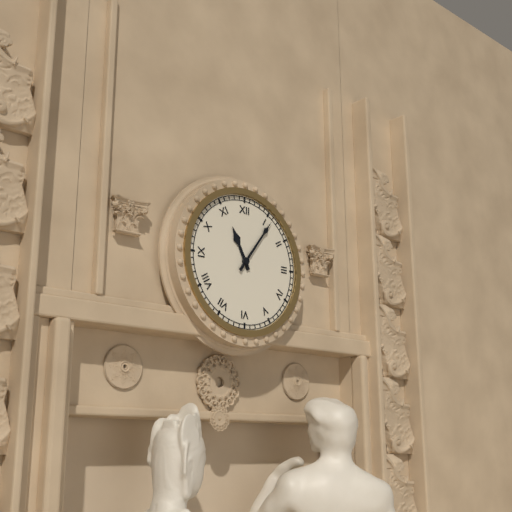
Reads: 11,06
